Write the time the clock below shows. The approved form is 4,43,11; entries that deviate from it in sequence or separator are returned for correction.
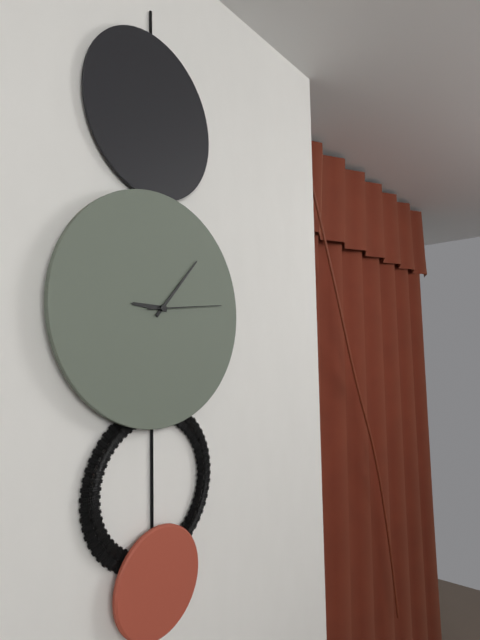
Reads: 9,07,14
